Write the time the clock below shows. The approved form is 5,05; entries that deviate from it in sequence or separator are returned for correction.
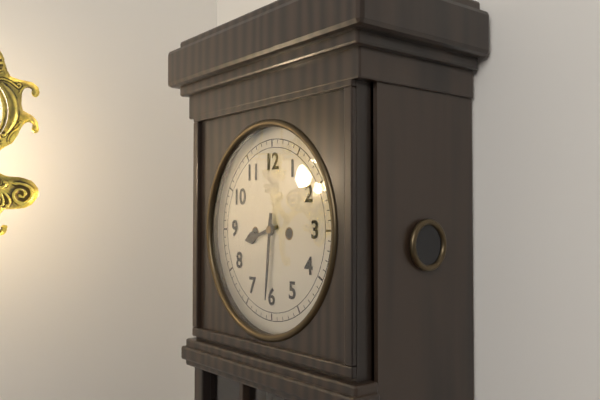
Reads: 8,31
